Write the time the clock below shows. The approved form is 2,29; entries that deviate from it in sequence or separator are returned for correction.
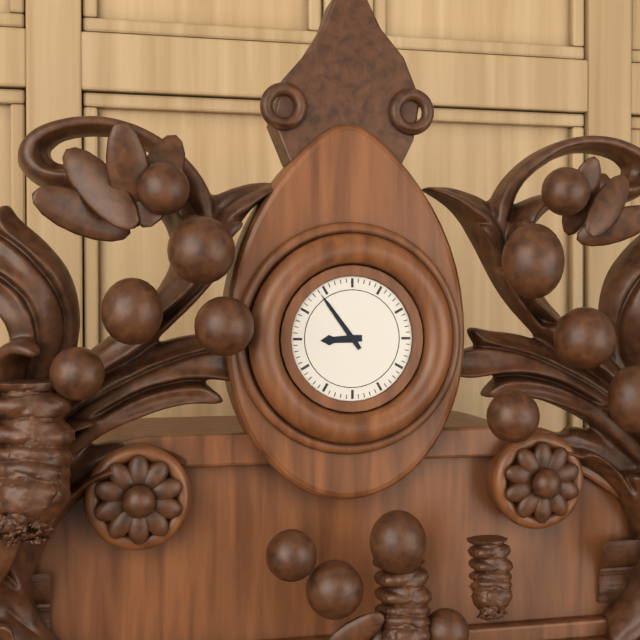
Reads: 8,54
